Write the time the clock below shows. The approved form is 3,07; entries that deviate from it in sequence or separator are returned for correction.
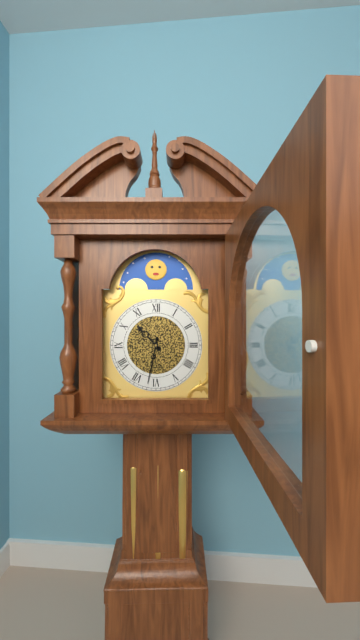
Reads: 10,32
